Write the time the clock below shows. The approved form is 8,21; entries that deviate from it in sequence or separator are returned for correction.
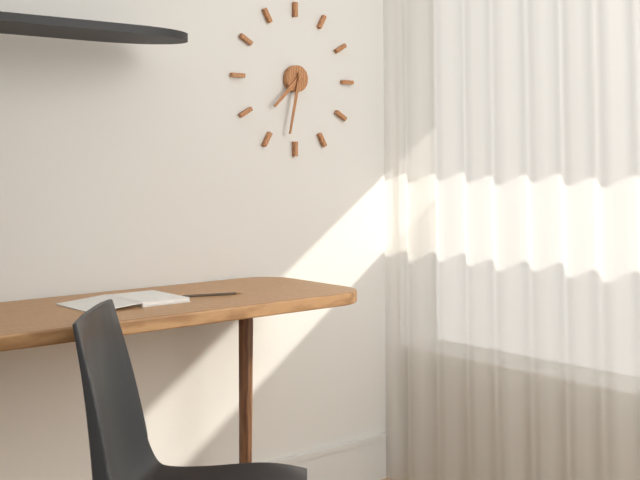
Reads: 7,32
